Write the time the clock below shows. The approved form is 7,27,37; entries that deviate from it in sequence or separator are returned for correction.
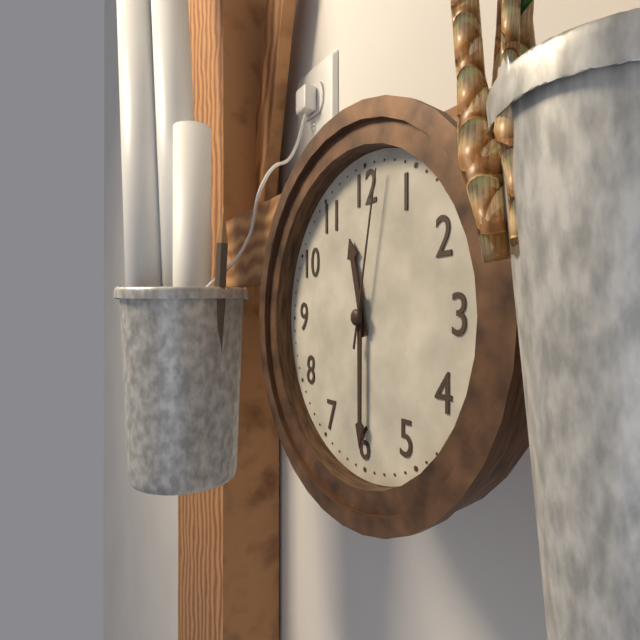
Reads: 11,30,02
